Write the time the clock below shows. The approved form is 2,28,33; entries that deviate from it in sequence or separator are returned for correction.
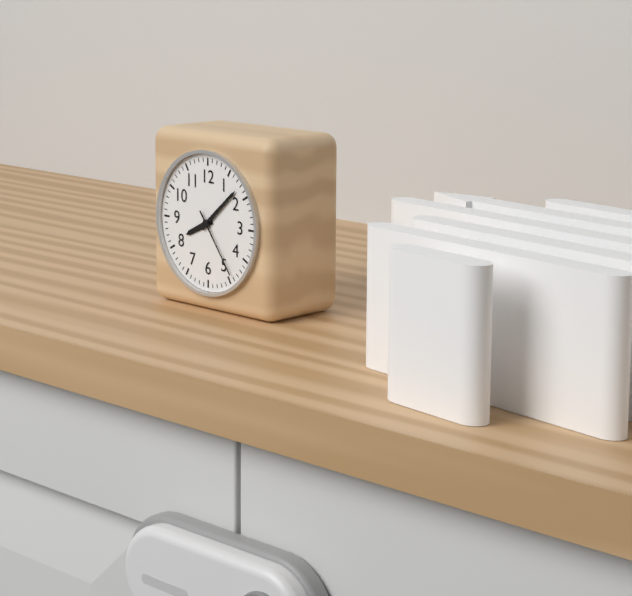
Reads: 8,08,24
